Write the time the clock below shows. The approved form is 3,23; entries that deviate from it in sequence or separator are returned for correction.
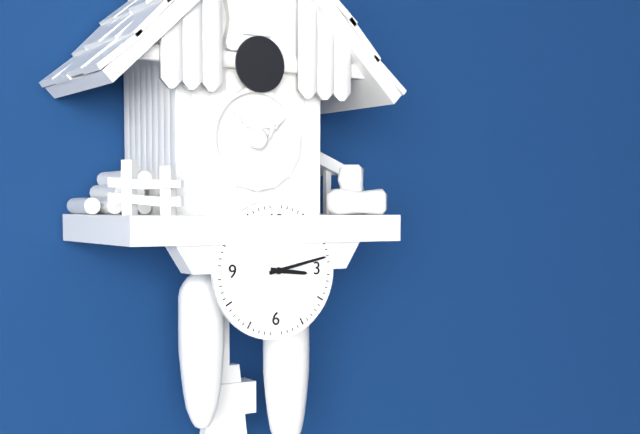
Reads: 3,13
